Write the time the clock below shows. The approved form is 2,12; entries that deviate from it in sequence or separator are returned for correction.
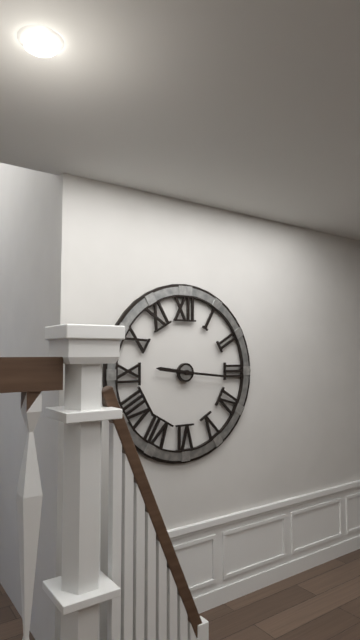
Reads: 9,16
